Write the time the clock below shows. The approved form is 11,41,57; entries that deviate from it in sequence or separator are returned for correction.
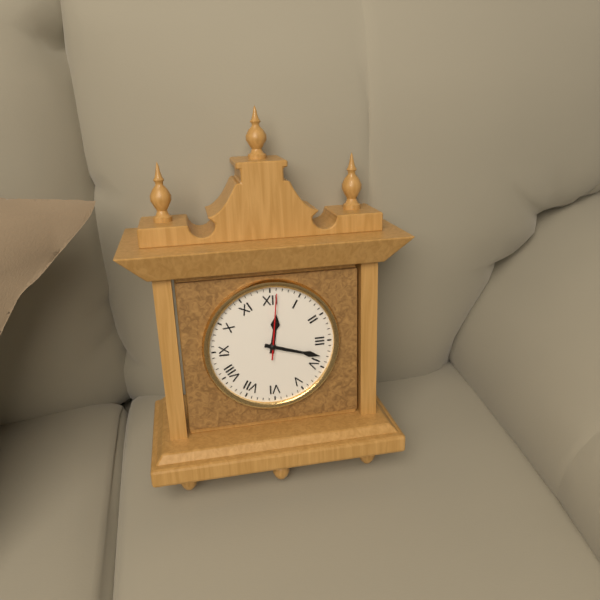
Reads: 12,18,01
